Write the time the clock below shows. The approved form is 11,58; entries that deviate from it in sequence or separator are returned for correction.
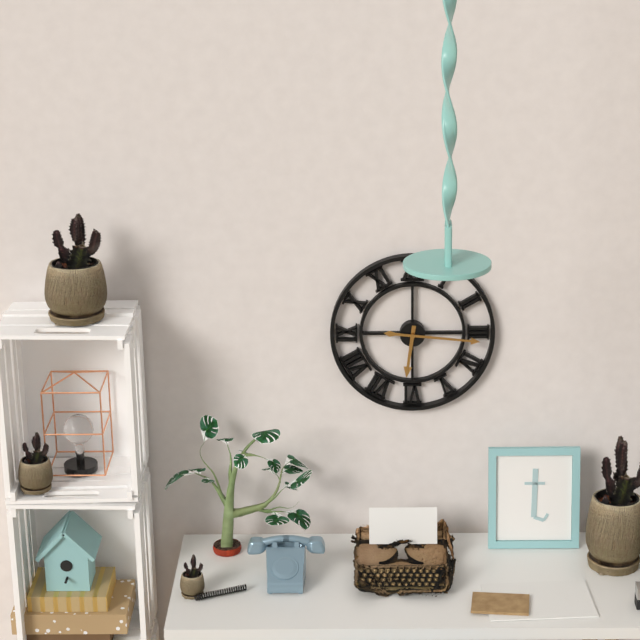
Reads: 6,16
